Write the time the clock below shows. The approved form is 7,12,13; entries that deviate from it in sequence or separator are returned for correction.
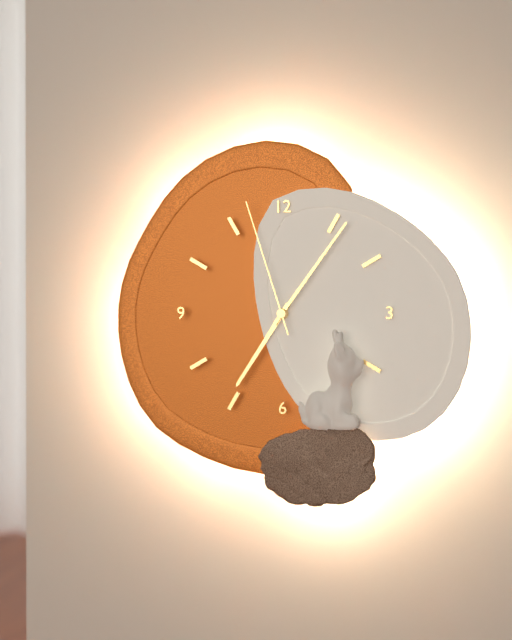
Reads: 7,06,57
